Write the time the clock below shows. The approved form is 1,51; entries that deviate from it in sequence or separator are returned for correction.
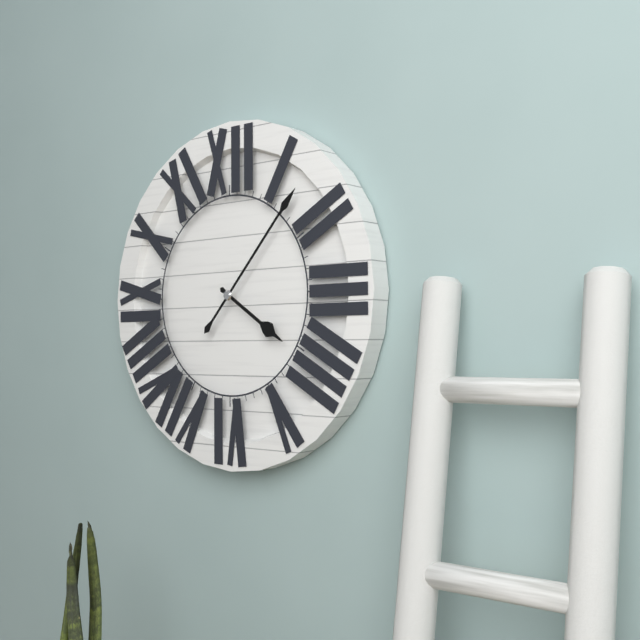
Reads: 4,07
